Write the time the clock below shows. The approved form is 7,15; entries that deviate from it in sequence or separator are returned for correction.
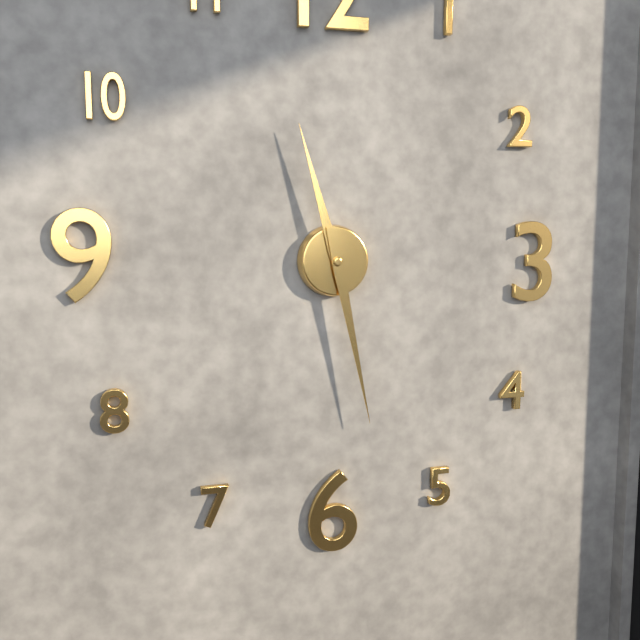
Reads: 11,28
